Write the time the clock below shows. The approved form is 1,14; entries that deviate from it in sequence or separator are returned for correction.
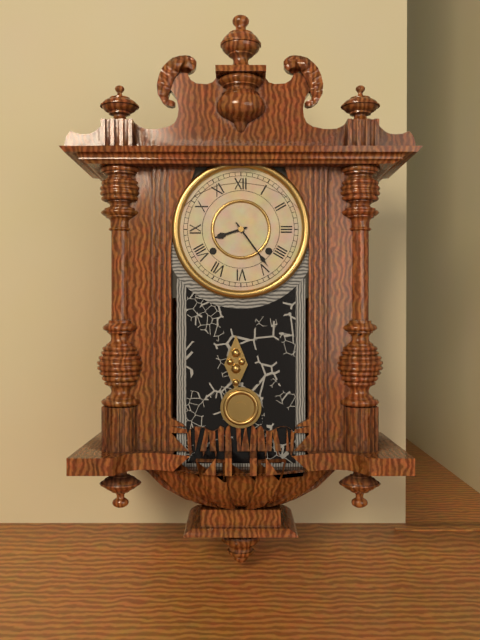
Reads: 8,24
